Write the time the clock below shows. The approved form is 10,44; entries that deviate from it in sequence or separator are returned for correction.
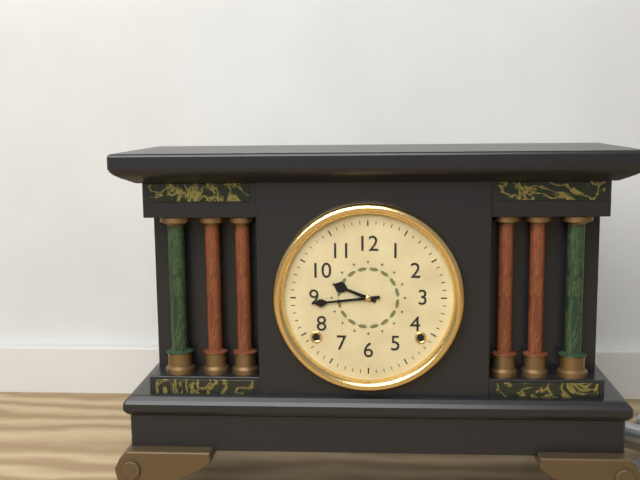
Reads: 9,44
